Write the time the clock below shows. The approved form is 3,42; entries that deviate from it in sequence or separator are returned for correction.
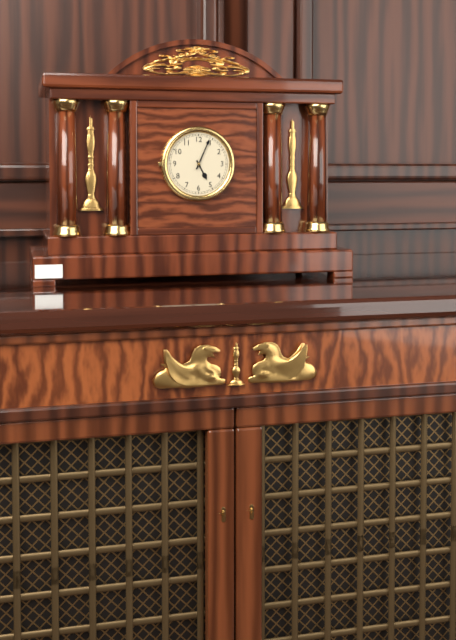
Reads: 5,04
